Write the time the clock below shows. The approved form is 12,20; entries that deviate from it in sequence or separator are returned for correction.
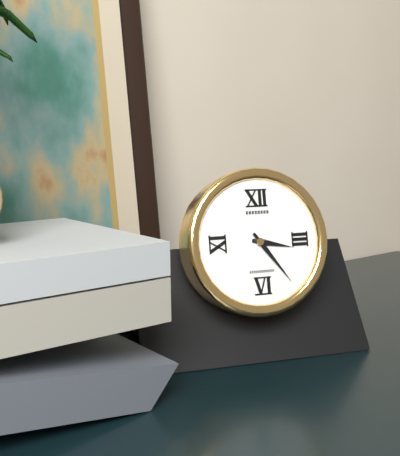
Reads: 3,24
